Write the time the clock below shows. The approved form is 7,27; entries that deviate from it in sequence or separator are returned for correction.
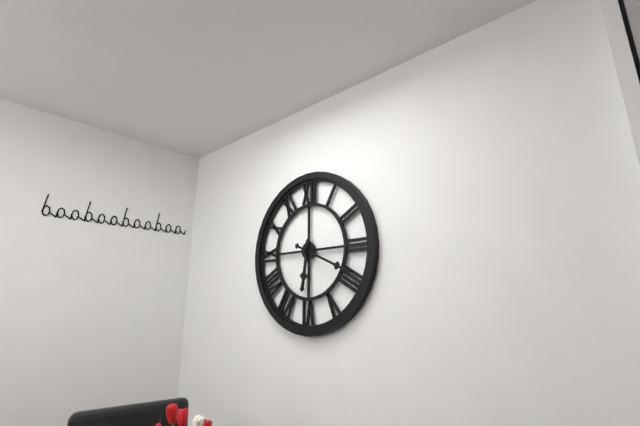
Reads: 6,19
